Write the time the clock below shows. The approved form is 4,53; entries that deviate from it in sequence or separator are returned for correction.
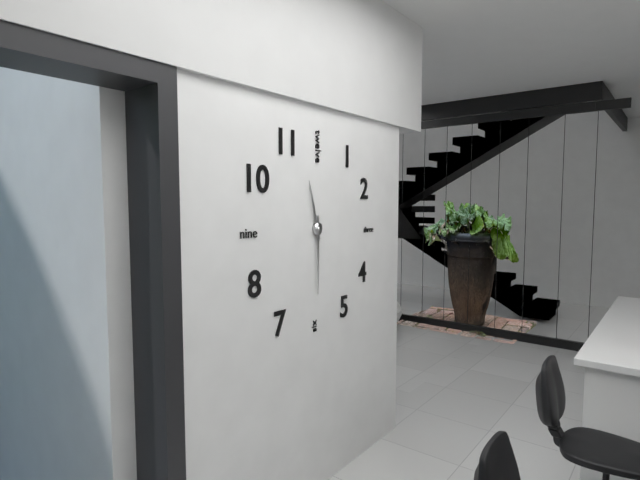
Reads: 11,30
